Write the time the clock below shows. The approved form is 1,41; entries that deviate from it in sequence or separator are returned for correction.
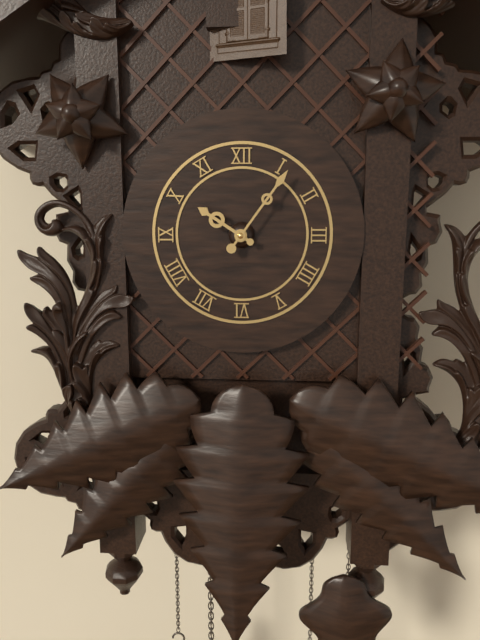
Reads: 10,06
